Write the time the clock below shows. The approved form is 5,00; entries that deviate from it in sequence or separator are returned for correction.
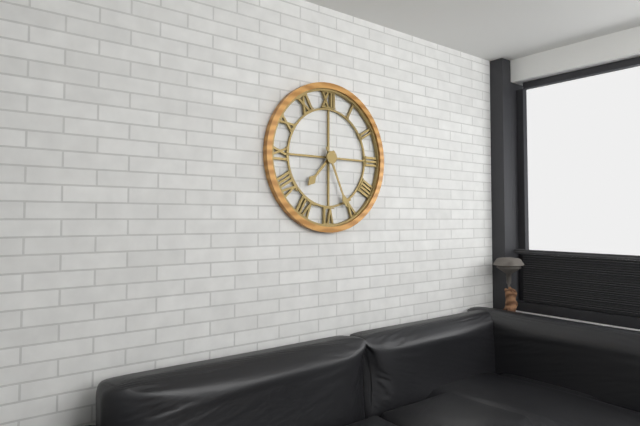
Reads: 7,26
